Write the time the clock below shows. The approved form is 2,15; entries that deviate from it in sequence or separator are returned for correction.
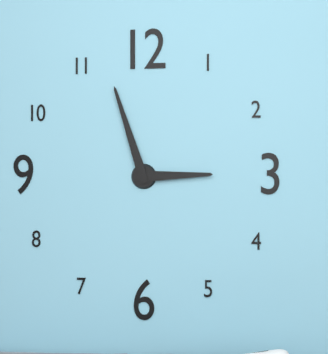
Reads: 2,57
